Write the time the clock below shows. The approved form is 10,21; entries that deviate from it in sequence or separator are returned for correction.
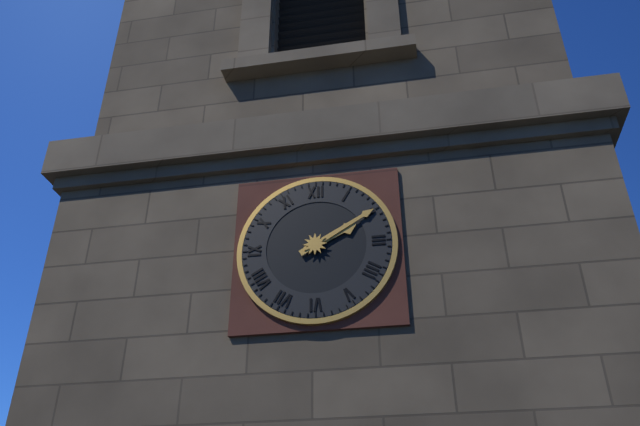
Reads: 2,10
